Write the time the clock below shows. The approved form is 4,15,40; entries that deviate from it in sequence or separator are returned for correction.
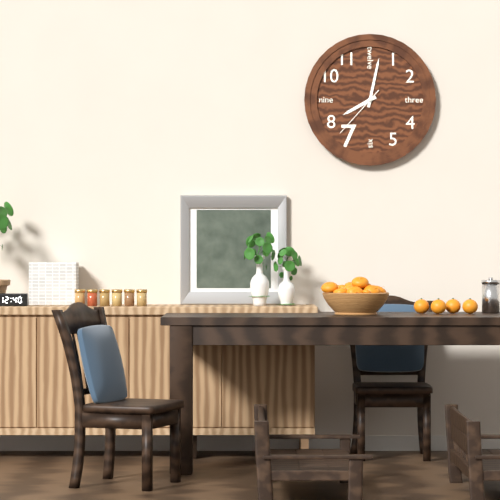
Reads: 8,02,37
